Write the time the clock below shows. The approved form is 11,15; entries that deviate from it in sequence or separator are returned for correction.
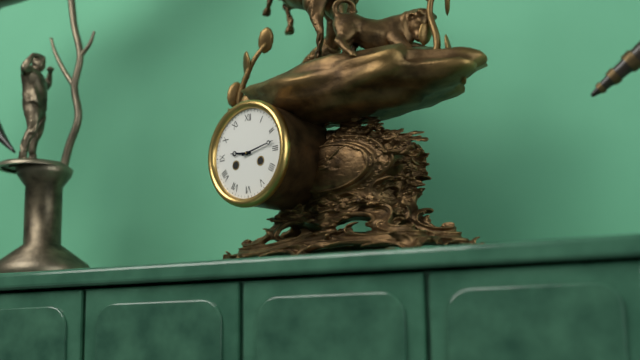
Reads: 9,13
